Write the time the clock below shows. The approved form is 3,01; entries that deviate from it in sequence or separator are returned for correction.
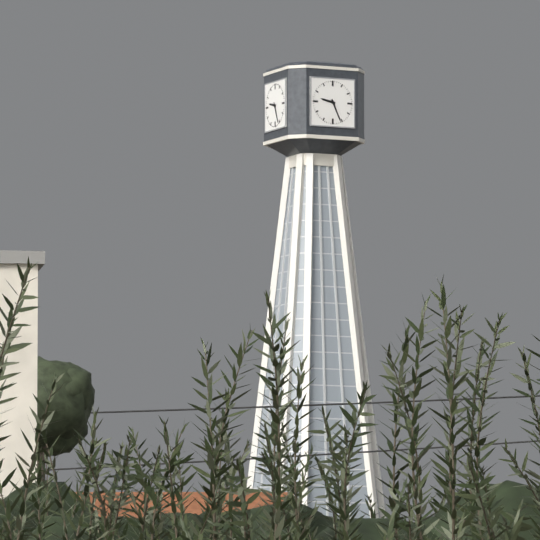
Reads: 9,26
